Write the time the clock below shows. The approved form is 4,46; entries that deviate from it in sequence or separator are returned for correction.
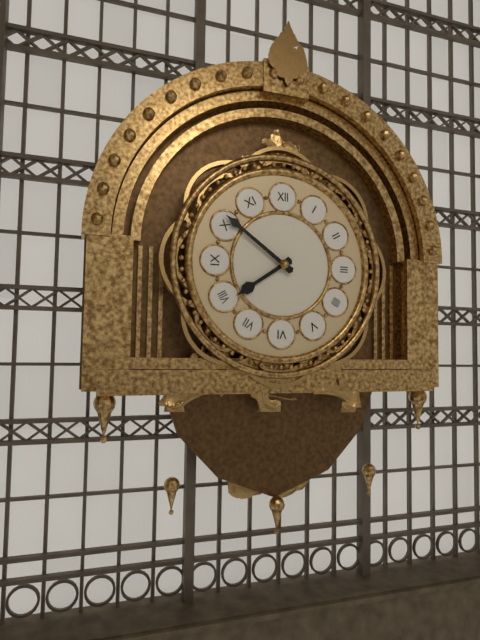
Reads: 7,51
